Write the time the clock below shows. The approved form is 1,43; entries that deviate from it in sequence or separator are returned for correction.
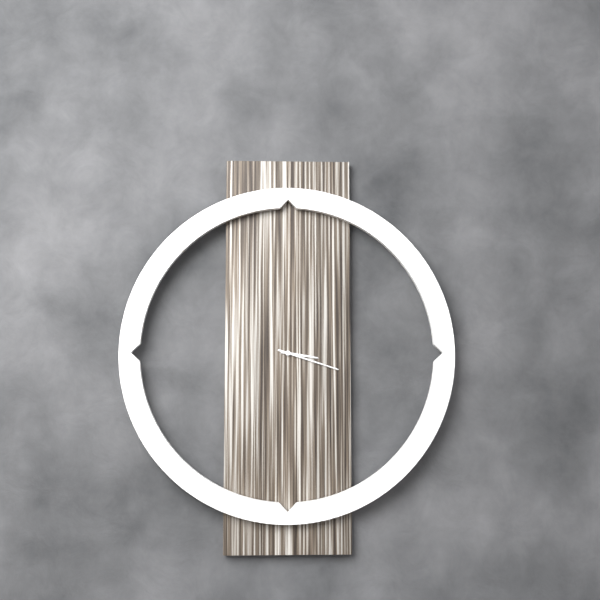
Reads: 3,18
